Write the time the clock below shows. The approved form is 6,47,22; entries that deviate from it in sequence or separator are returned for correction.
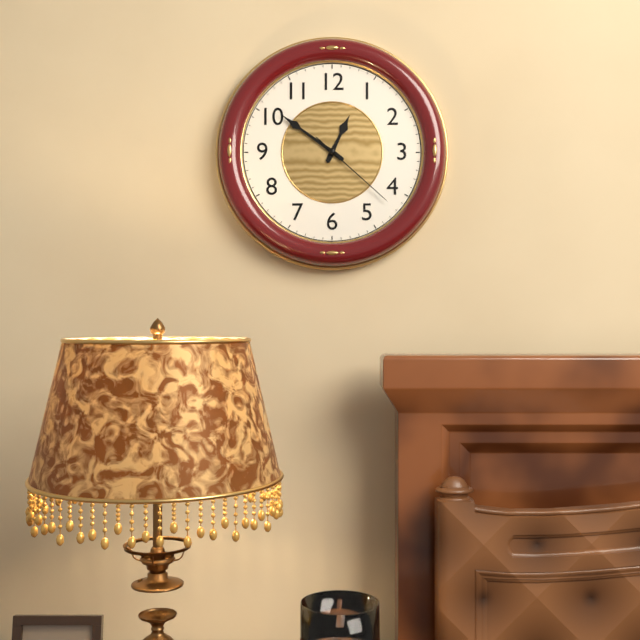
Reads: 12,51,22
